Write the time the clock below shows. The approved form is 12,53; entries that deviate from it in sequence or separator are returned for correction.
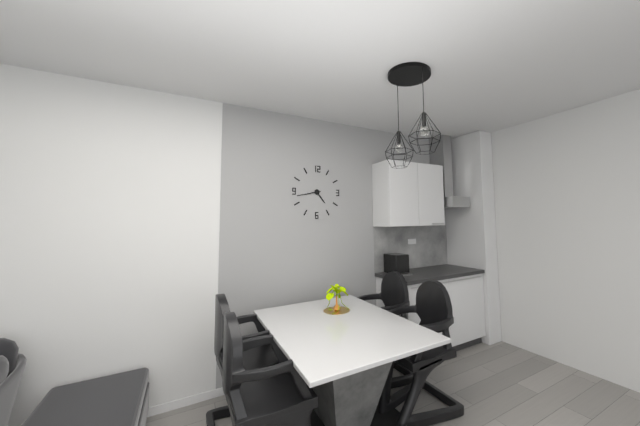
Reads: 4,43
